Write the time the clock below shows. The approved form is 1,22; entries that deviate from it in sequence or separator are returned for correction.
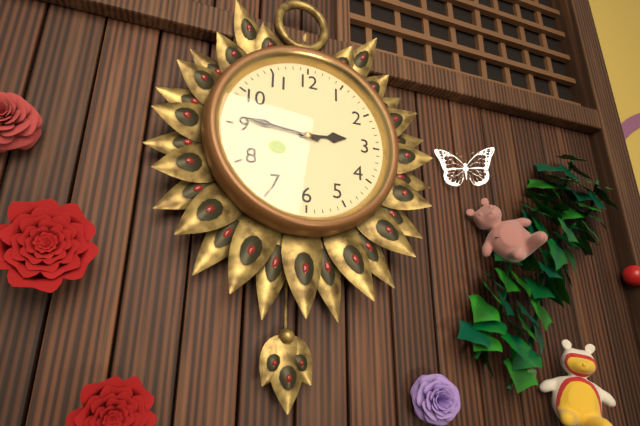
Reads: 2,46
